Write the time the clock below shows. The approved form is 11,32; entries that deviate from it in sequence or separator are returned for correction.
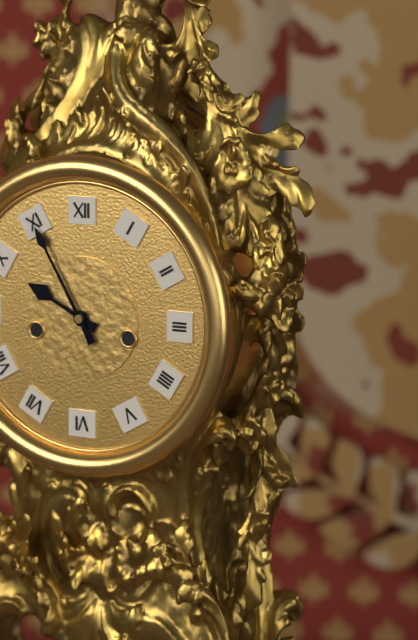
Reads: 9,55
